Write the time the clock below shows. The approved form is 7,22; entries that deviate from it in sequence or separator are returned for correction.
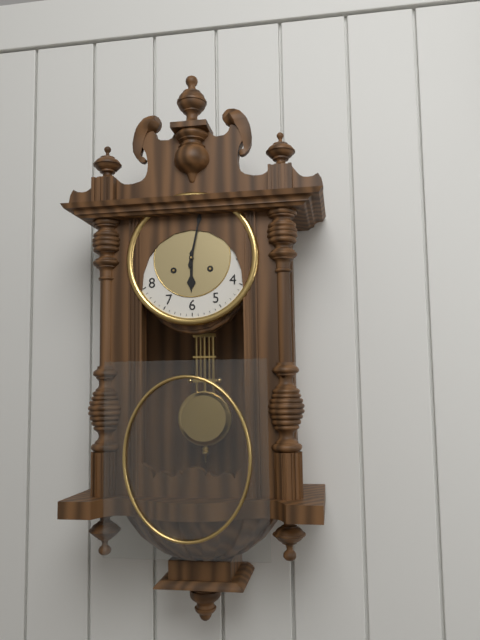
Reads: 6,02
